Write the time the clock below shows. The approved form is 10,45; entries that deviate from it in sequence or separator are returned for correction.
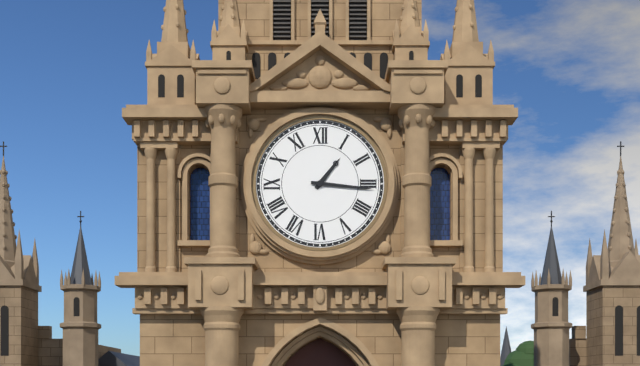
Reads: 1,16
